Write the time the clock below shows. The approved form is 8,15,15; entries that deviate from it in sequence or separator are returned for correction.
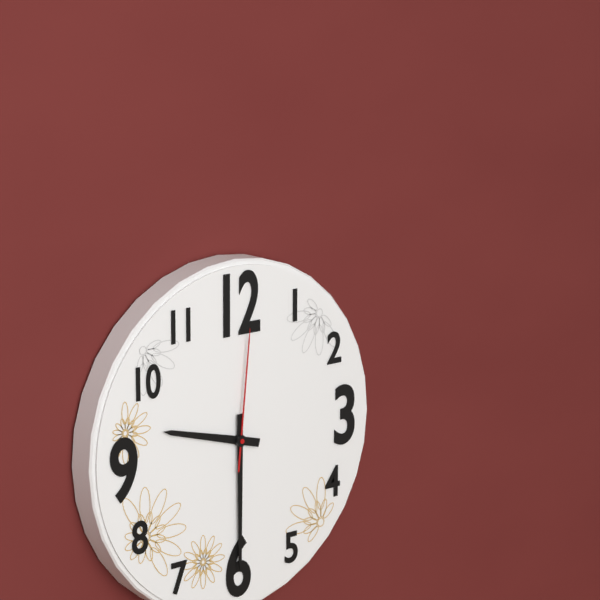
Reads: 9,30,01
